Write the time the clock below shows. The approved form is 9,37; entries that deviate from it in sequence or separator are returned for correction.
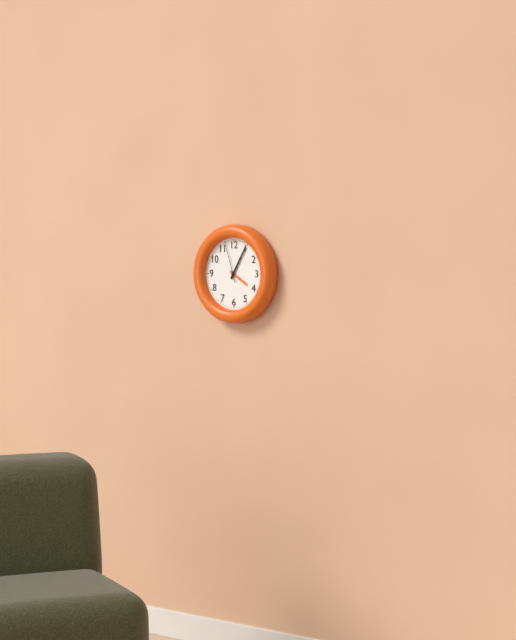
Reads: 4,05
